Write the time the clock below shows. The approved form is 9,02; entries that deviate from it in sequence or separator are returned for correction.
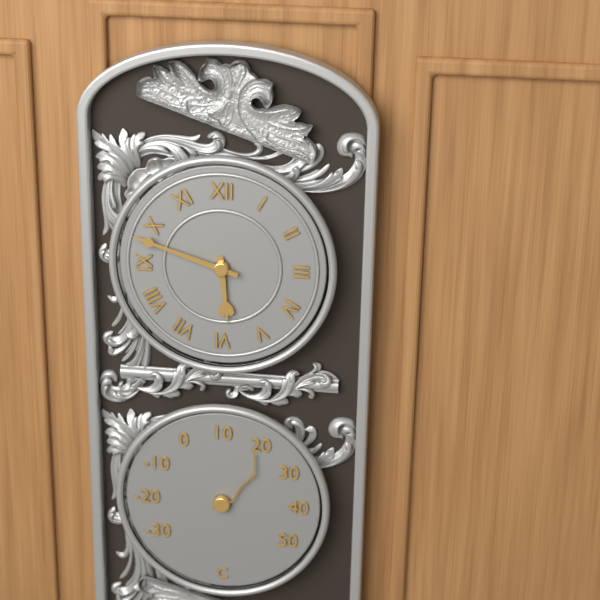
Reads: 5,48
